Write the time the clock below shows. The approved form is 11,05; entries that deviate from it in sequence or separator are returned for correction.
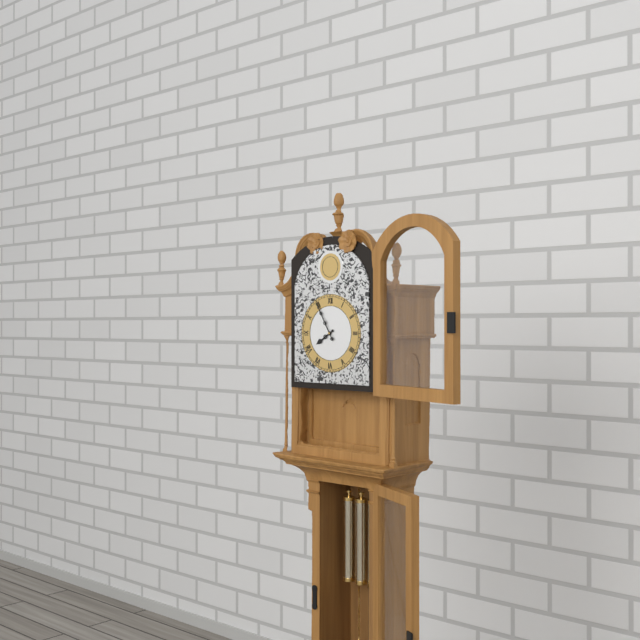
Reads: 7,55
